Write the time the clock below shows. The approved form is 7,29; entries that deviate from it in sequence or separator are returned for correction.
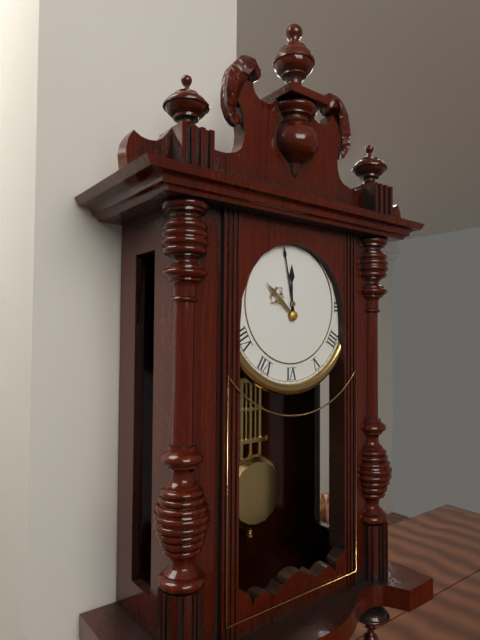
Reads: 11,58
